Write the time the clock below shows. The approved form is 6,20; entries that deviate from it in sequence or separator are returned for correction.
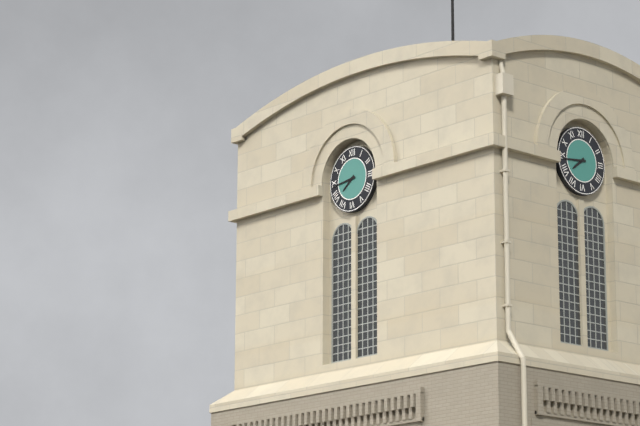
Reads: 7,44
